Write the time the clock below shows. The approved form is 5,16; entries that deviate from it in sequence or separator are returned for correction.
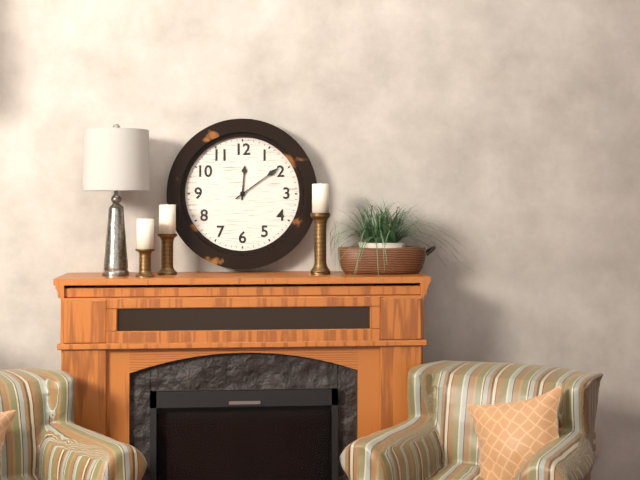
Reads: 12,09
